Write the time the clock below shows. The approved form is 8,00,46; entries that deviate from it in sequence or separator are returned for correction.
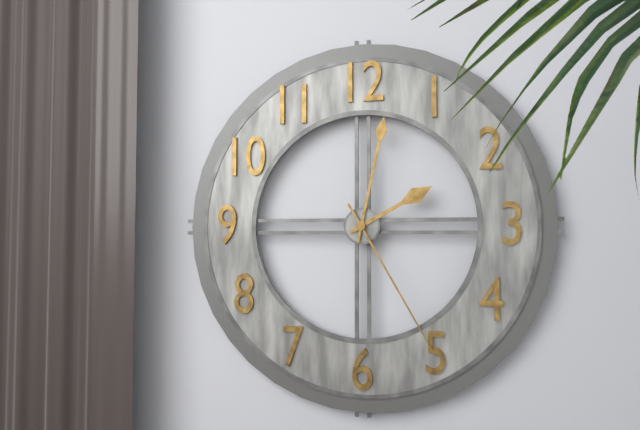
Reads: 2,02,25
